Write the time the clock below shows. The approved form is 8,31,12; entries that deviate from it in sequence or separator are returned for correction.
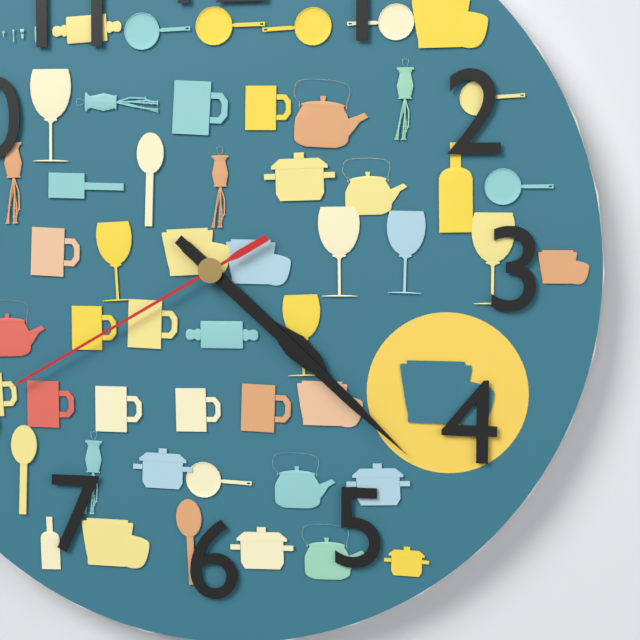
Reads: 4,22,40
